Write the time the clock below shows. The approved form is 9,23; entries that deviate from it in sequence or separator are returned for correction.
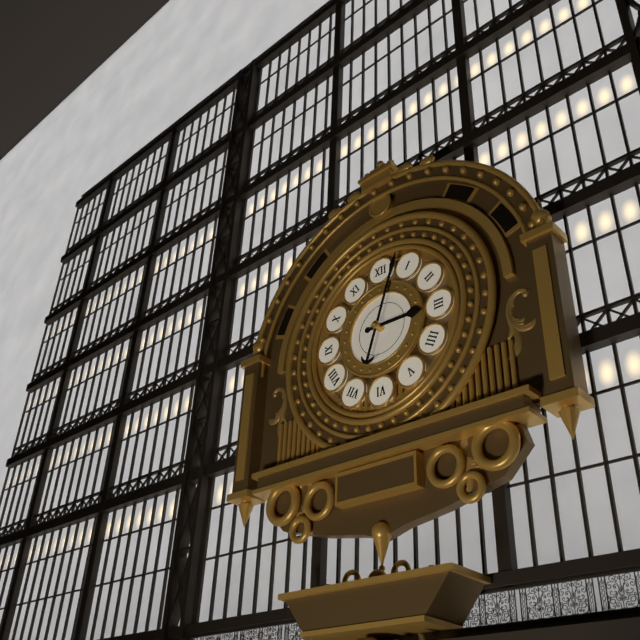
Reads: 3,03
